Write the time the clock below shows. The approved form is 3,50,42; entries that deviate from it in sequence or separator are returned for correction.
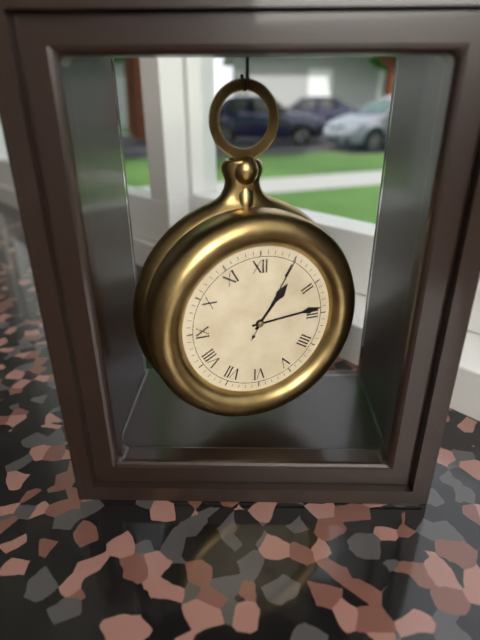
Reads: 1,14,05
